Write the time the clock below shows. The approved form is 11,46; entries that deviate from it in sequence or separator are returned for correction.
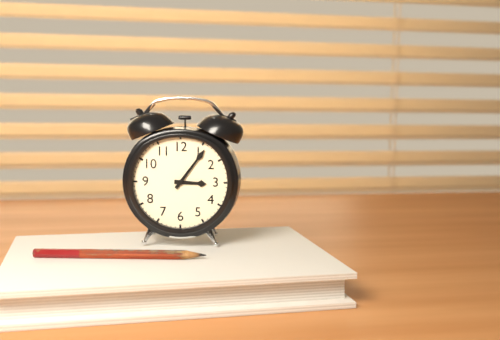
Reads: 3,06
